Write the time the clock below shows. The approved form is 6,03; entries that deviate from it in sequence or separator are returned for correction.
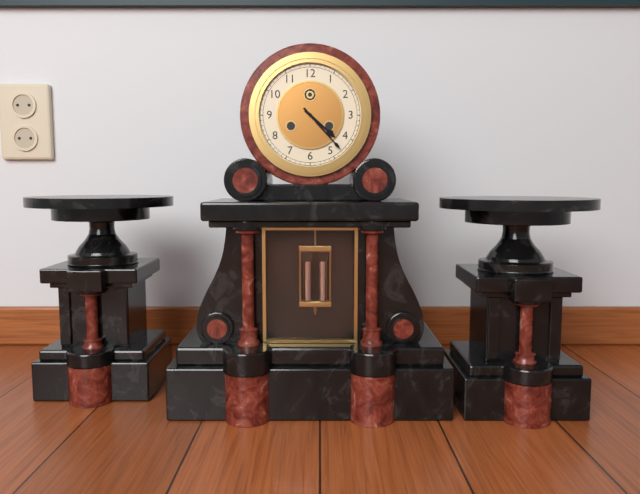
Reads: 4,23
